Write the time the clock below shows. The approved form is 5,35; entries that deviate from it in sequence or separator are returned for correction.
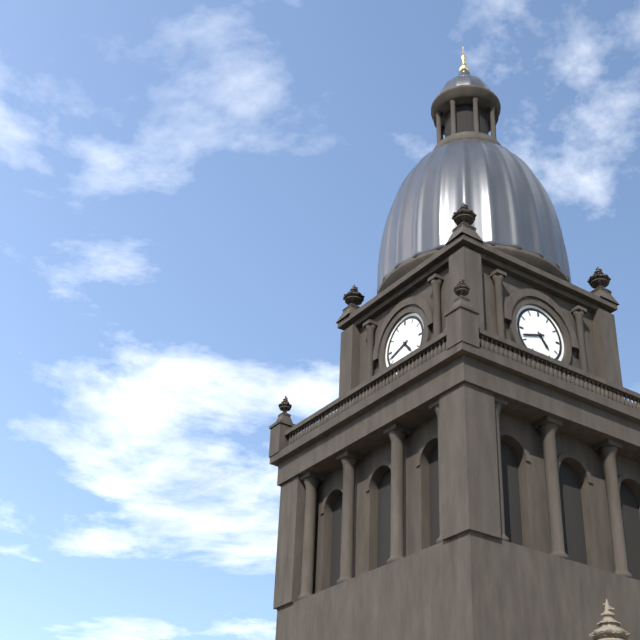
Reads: 4,42
